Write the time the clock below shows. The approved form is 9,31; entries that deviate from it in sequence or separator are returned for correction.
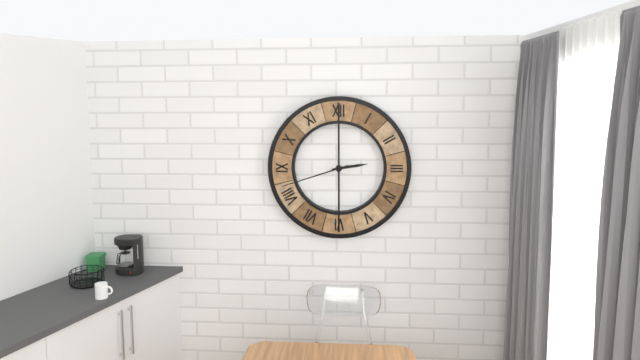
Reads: 2,42
